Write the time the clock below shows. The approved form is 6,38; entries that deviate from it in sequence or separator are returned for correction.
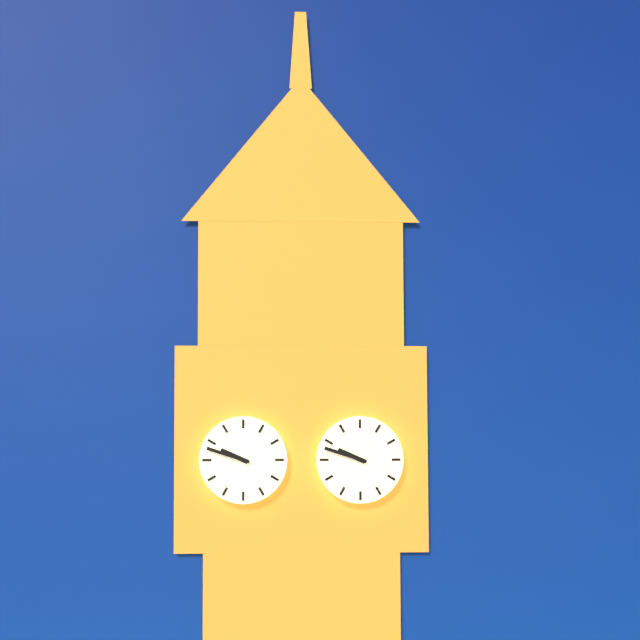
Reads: 9,48
